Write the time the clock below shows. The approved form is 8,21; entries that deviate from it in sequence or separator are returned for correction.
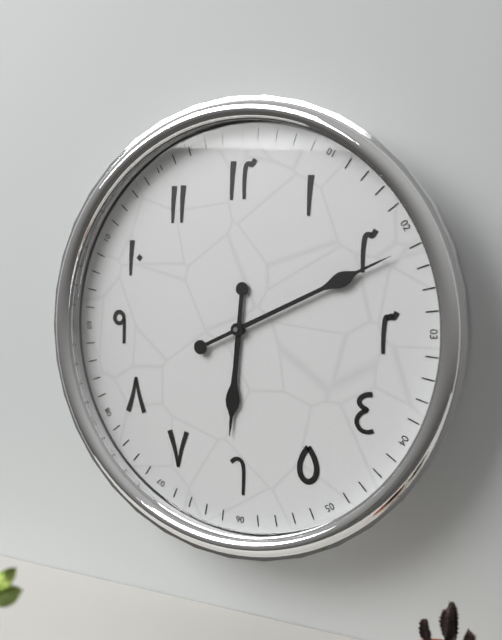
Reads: 6,11
